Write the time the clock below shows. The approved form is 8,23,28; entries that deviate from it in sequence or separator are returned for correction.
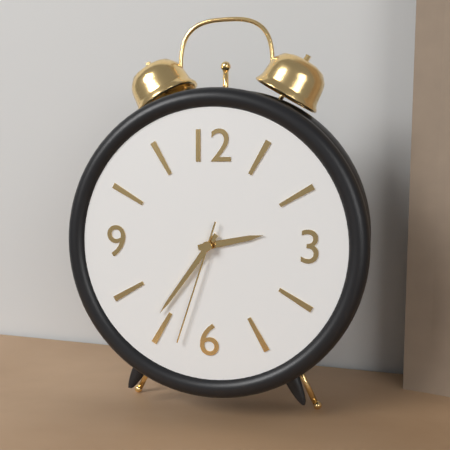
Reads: 2,36,33
